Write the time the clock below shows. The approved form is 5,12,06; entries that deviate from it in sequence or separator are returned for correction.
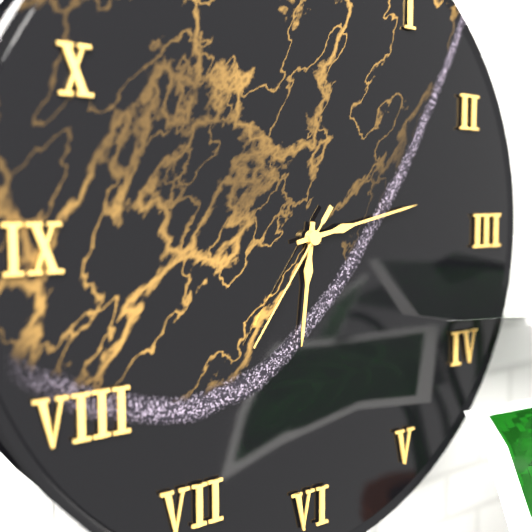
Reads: 6,13,36
